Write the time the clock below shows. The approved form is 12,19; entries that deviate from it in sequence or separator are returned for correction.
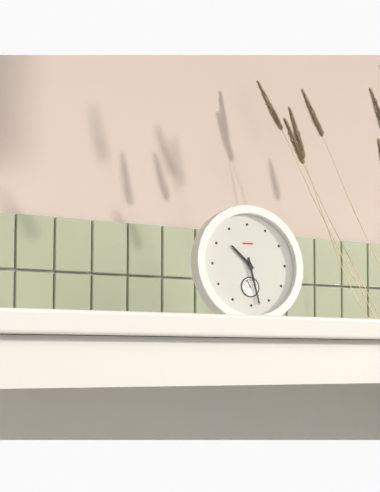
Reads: 10,28
